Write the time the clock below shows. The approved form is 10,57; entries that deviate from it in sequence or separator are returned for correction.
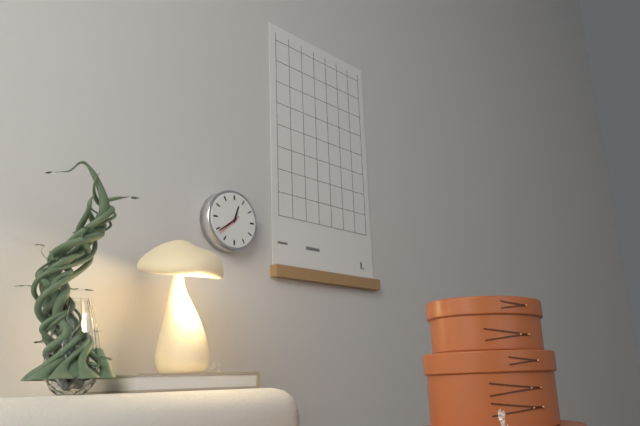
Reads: 12,39
